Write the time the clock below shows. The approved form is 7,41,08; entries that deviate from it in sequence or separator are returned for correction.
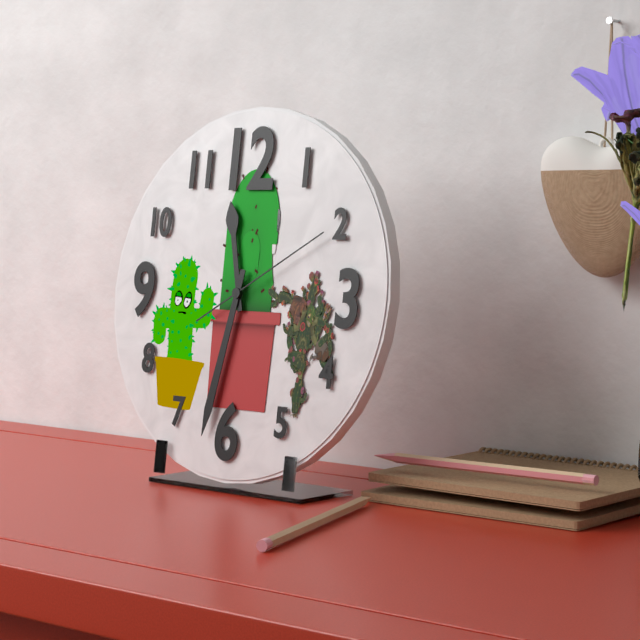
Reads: 11,32,10
